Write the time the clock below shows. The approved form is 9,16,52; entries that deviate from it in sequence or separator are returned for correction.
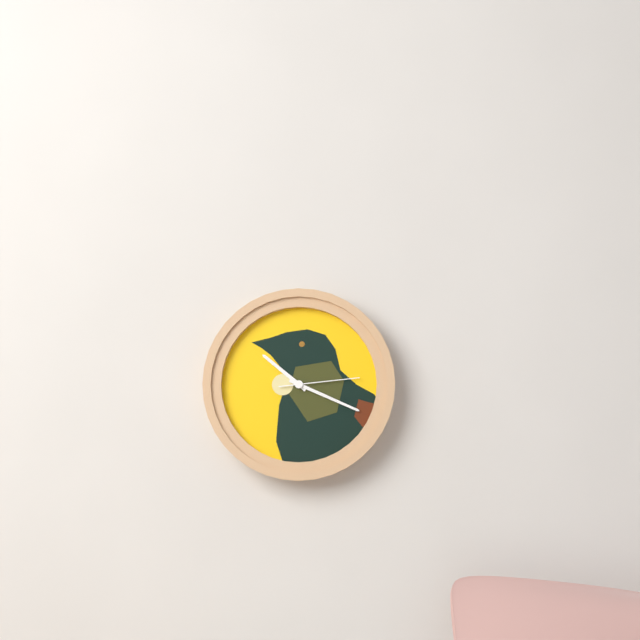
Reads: 10,19,14
